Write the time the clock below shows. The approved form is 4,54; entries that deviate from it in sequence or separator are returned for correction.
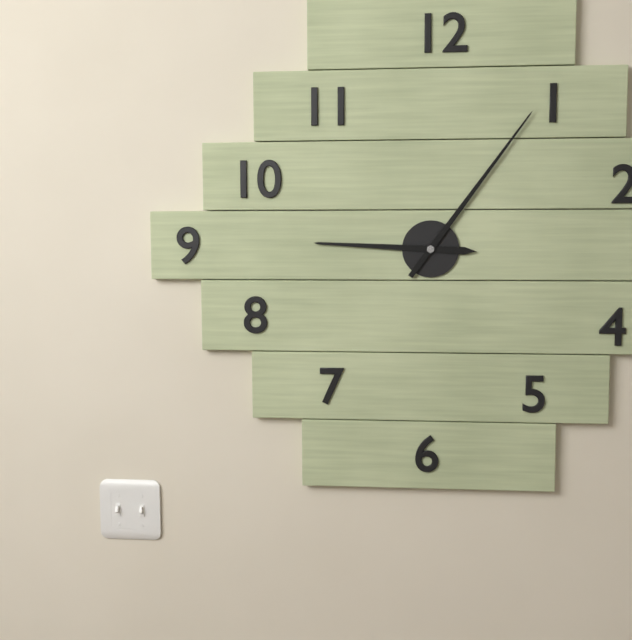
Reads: 9,06
